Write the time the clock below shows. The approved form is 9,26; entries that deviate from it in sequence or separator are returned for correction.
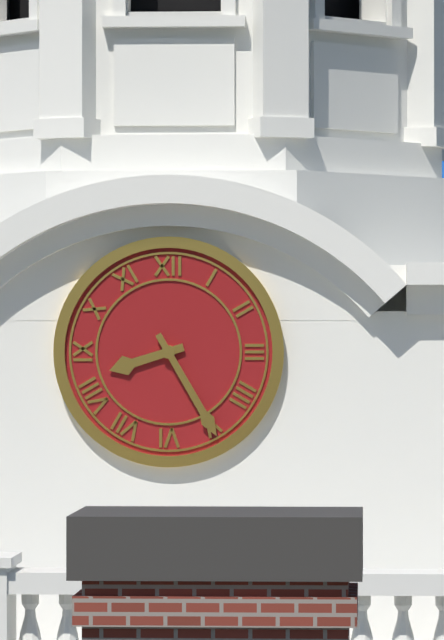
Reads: 8,25
